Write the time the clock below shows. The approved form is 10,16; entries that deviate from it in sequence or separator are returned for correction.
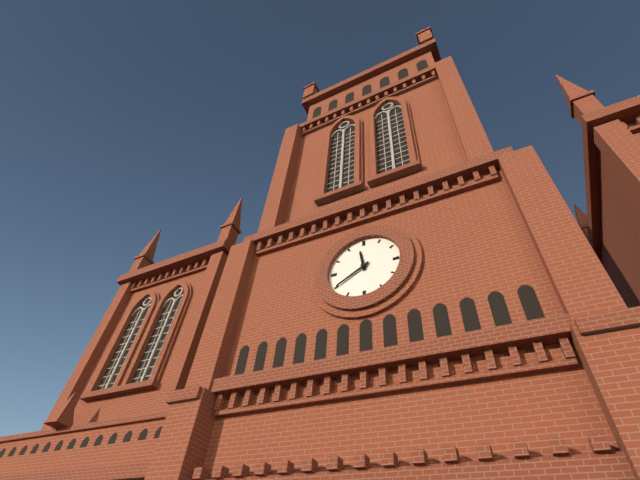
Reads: 11,40
